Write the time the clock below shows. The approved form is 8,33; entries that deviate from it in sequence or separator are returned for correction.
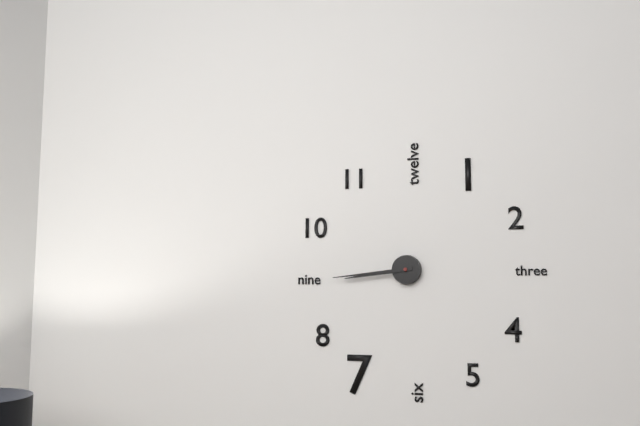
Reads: 8,44
